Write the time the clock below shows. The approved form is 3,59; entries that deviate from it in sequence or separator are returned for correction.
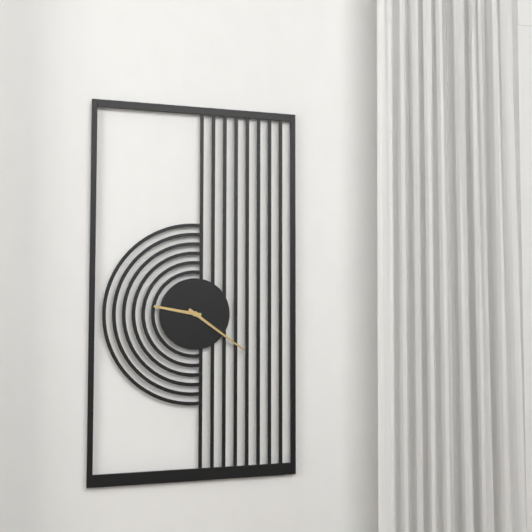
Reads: 9,21
